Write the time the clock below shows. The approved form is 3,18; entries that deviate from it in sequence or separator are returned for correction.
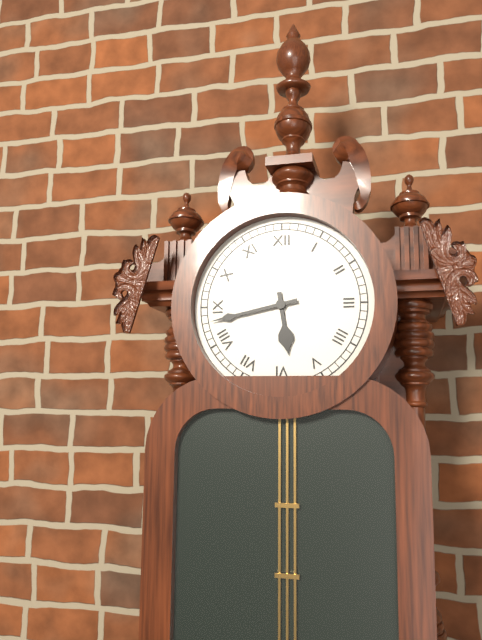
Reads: 5,43
